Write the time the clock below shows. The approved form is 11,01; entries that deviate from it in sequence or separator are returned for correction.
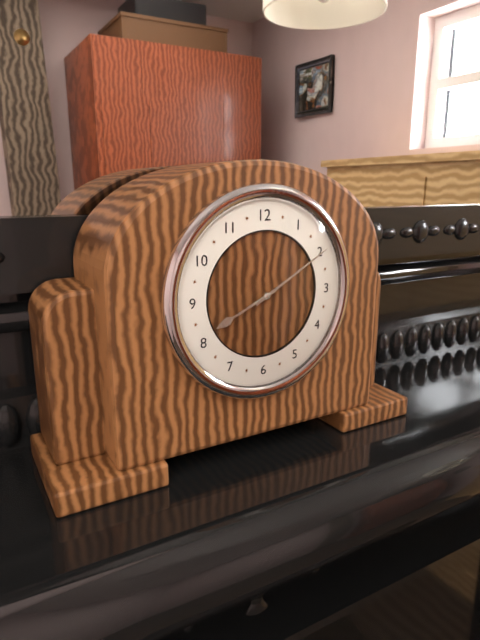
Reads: 8,10
